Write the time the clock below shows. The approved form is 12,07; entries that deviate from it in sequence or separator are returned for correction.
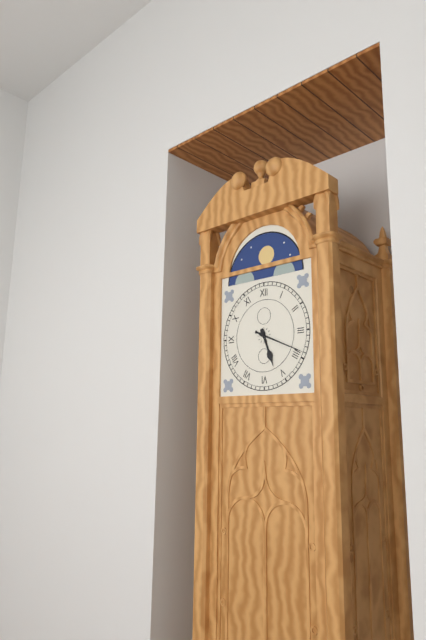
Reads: 5,19
